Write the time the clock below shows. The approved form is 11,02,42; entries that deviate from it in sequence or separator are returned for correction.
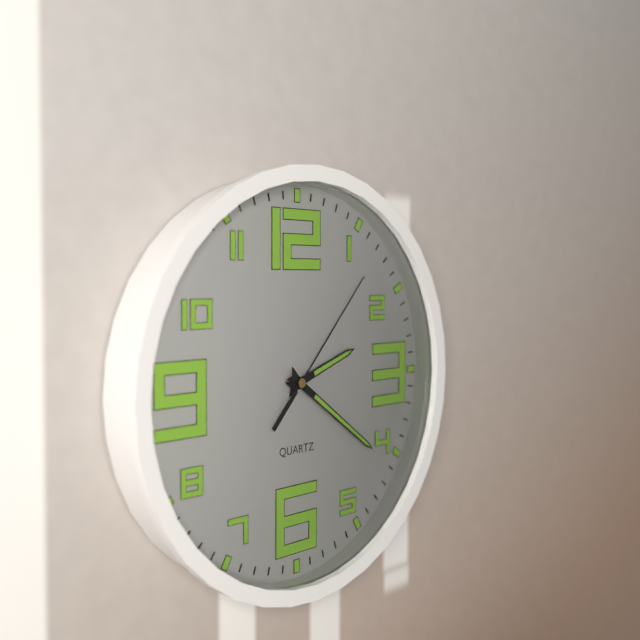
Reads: 2,21,07
